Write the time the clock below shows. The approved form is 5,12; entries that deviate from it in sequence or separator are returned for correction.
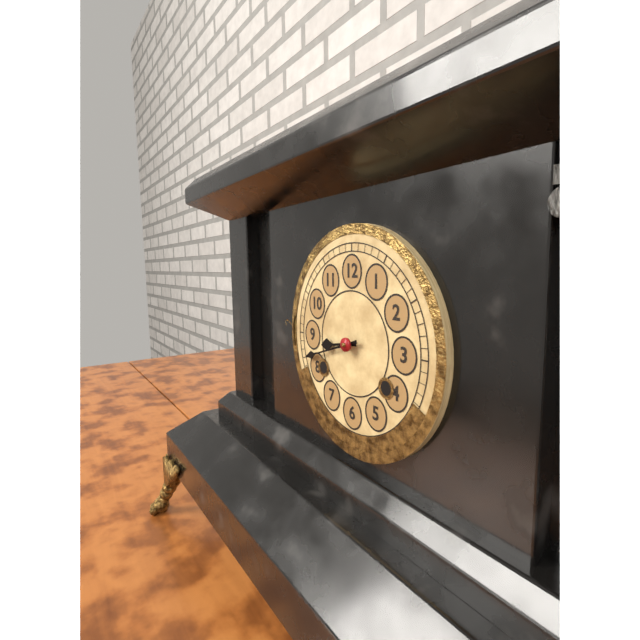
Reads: 8,42
